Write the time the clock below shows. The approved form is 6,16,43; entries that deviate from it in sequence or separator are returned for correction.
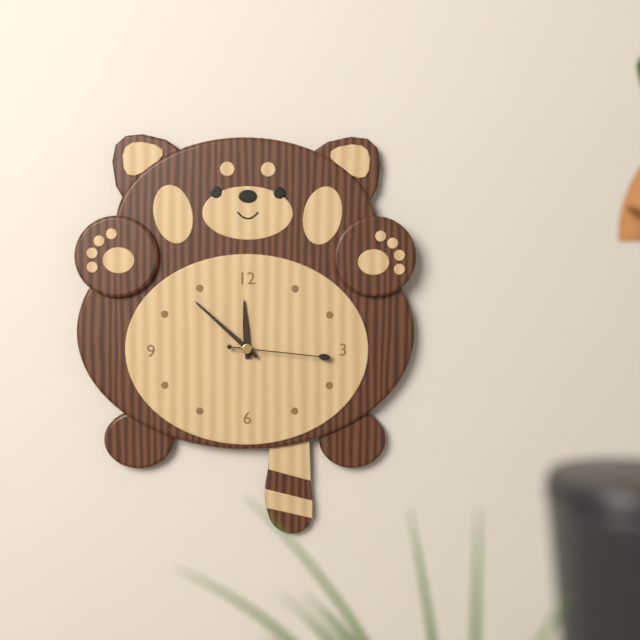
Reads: 11,52,16
